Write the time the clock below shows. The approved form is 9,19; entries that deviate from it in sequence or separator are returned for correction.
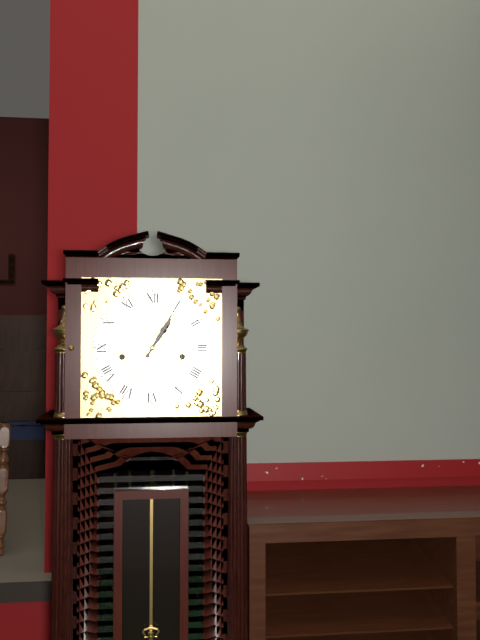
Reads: 1,05
